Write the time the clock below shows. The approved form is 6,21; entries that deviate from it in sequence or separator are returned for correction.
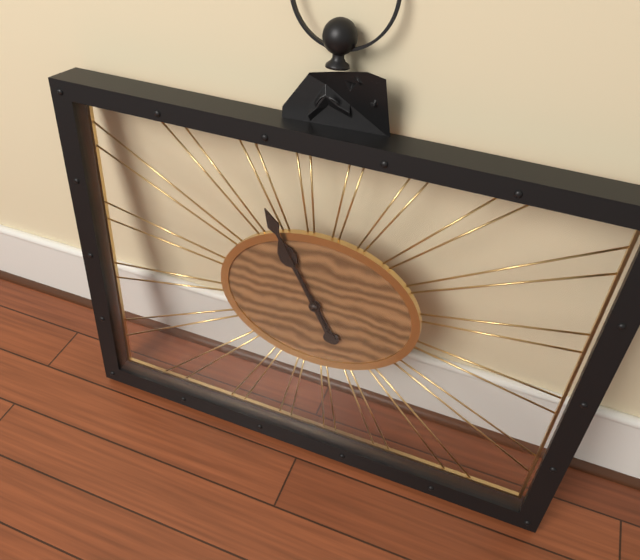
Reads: 10,55
